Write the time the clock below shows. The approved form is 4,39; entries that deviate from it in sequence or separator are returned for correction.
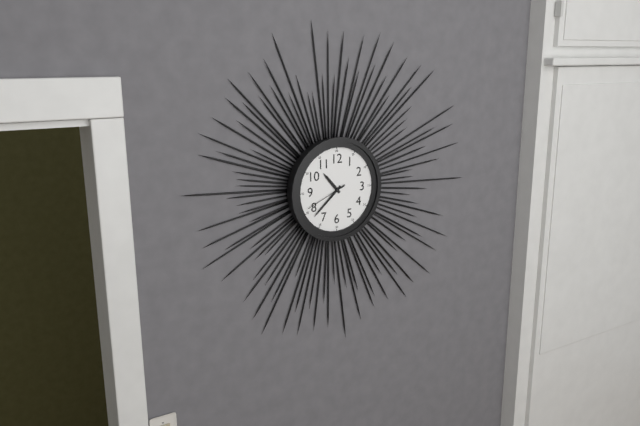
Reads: 10,38
